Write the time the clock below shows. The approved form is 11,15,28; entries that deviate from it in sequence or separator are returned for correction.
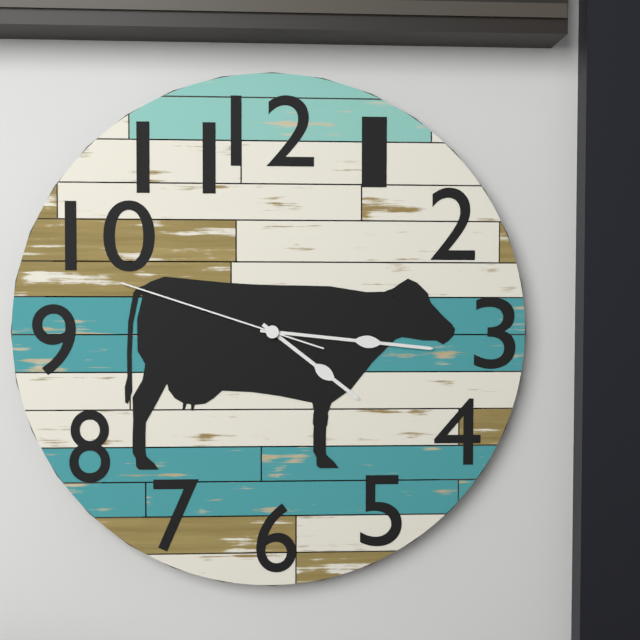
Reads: 4,16,48
